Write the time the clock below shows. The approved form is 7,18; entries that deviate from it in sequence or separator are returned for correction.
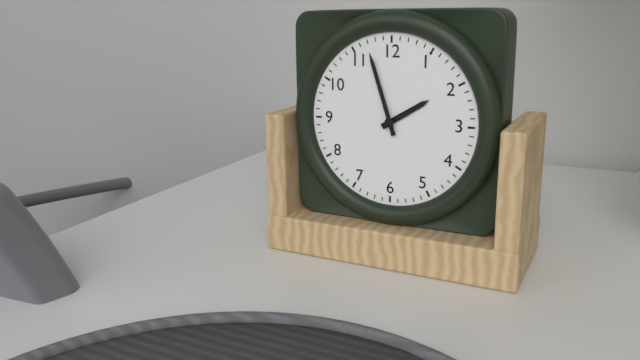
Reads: 1,57
